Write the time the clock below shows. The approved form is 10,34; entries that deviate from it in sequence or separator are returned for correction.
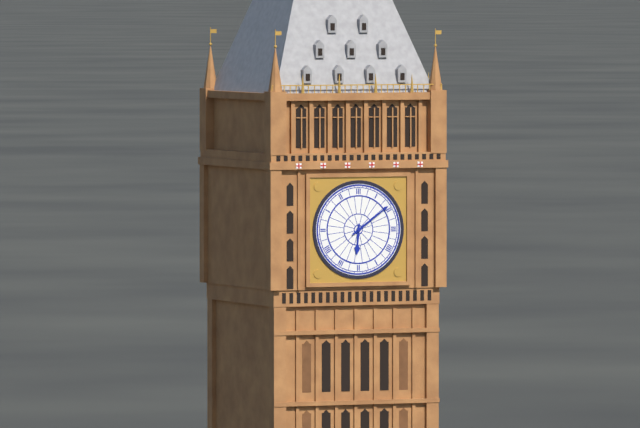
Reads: 6,09
